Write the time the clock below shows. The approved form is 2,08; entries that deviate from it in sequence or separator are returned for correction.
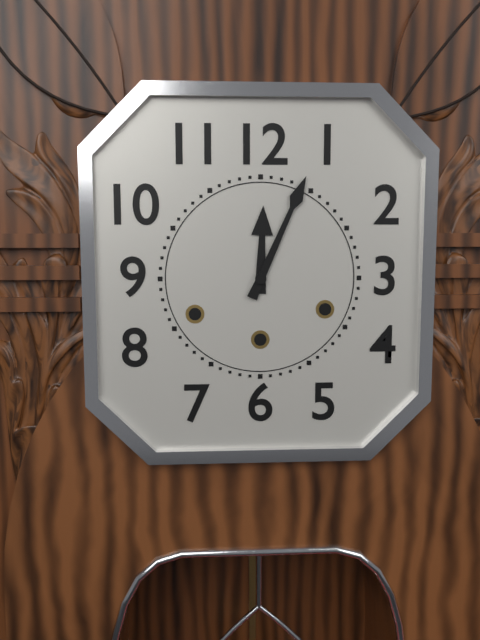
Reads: 12,04
